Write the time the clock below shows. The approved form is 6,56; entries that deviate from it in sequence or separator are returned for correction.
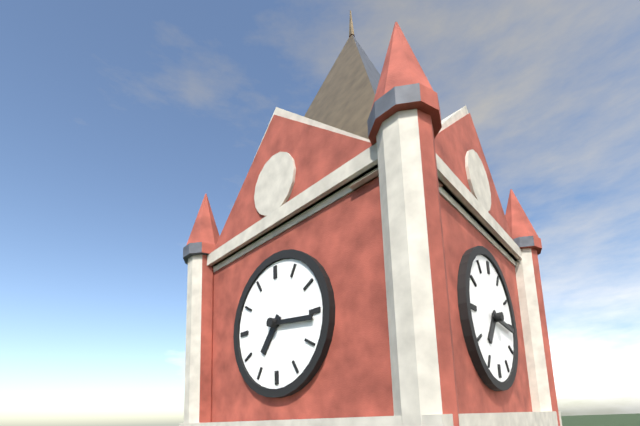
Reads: 7,16
